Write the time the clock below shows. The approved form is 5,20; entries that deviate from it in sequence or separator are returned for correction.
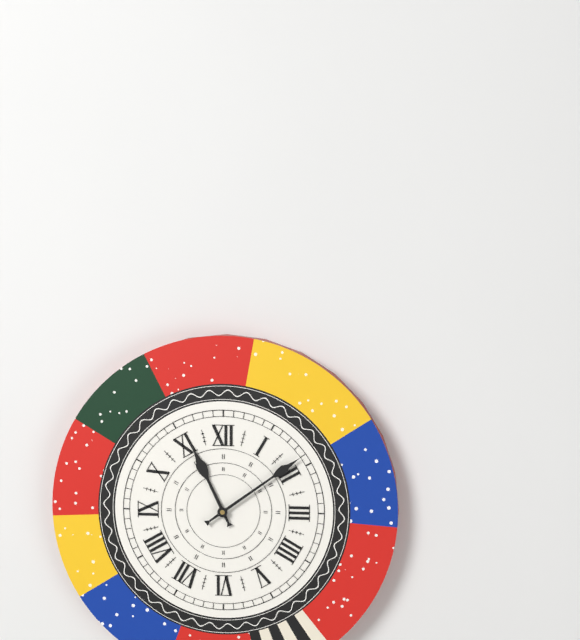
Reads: 11,09
